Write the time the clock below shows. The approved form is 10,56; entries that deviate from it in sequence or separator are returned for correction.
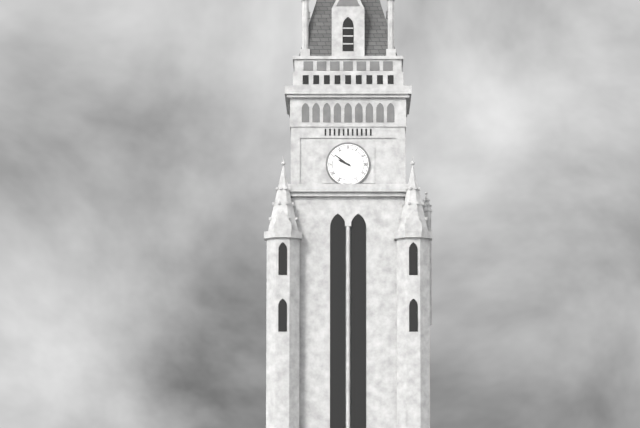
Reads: 9,51
